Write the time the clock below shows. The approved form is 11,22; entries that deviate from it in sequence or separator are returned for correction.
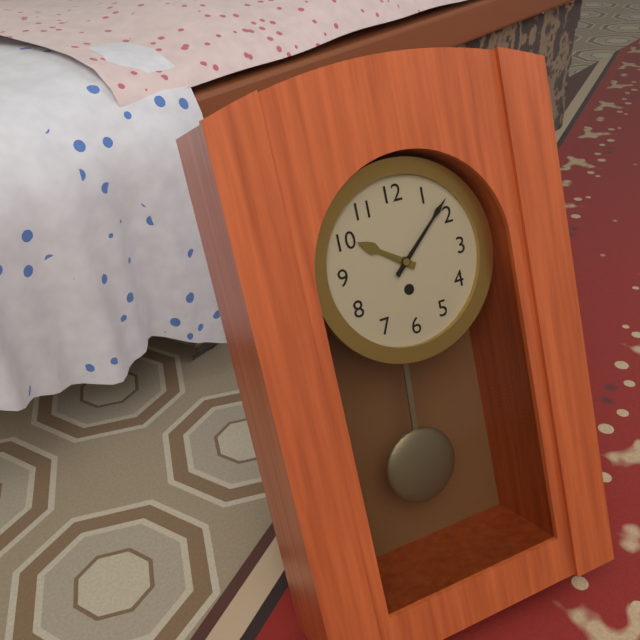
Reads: 10,08
